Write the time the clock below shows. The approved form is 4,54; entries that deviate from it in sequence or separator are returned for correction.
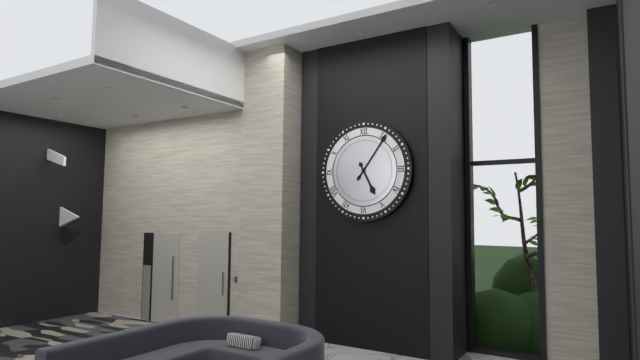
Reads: 5,06
